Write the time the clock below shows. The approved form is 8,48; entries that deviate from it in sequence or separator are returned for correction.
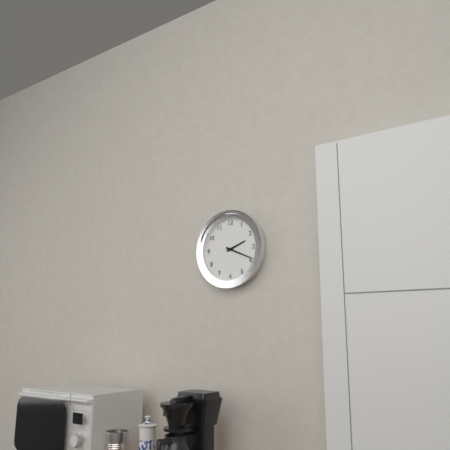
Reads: 2,19
